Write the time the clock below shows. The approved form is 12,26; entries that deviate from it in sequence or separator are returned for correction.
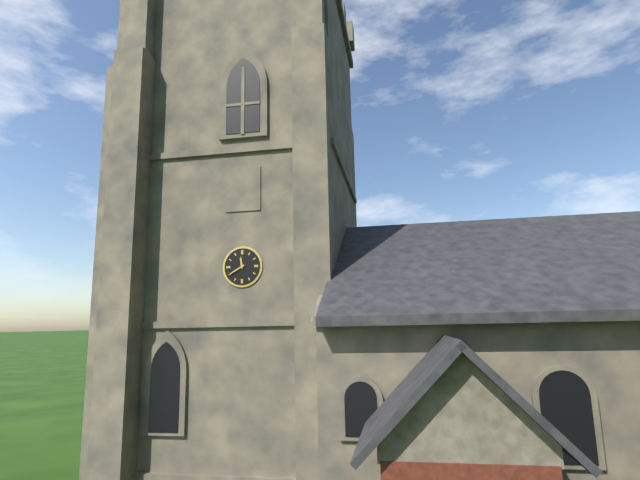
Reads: 11,40
